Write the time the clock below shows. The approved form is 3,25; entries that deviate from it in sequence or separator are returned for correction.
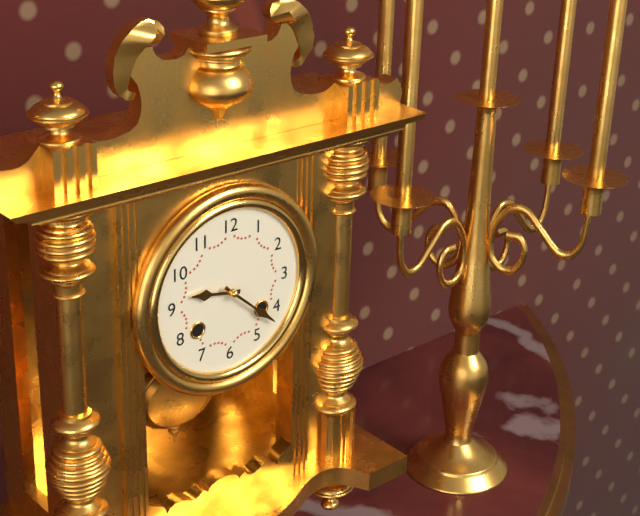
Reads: 9,22
